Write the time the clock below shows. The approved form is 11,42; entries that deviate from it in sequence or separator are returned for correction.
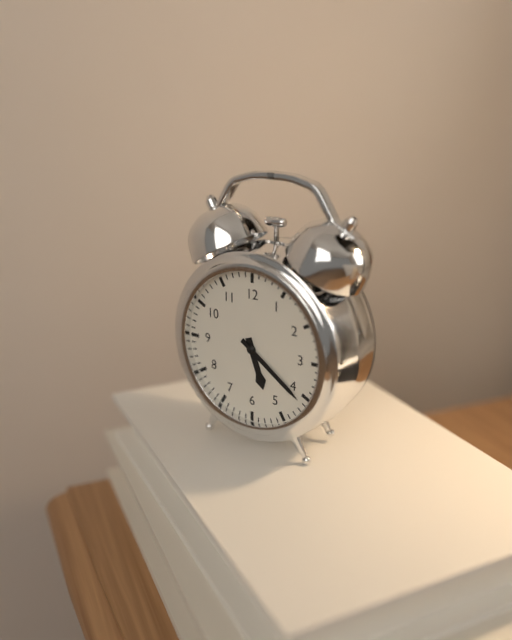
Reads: 5,21
